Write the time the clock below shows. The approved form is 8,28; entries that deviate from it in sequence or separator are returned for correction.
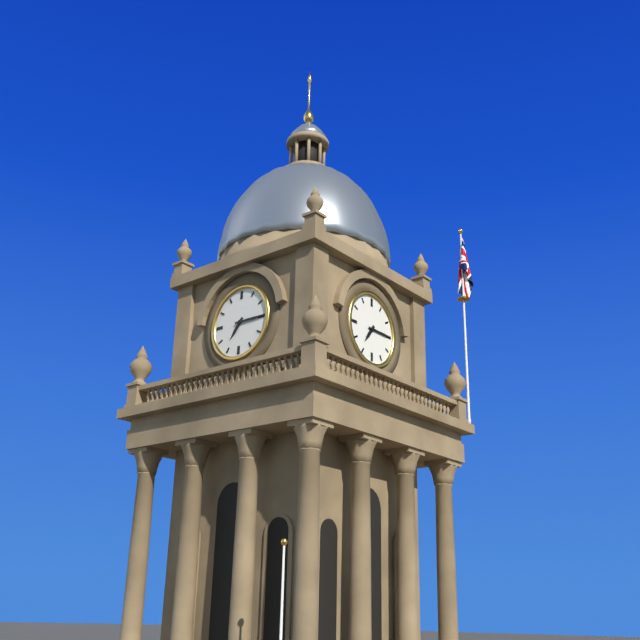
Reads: 7,15
